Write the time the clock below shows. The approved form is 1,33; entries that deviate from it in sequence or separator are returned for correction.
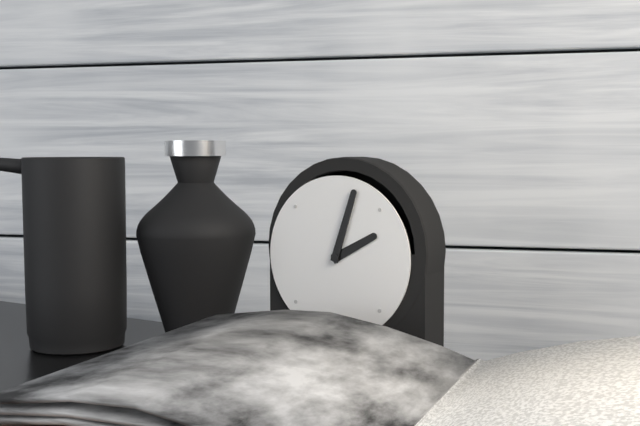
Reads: 2,03
